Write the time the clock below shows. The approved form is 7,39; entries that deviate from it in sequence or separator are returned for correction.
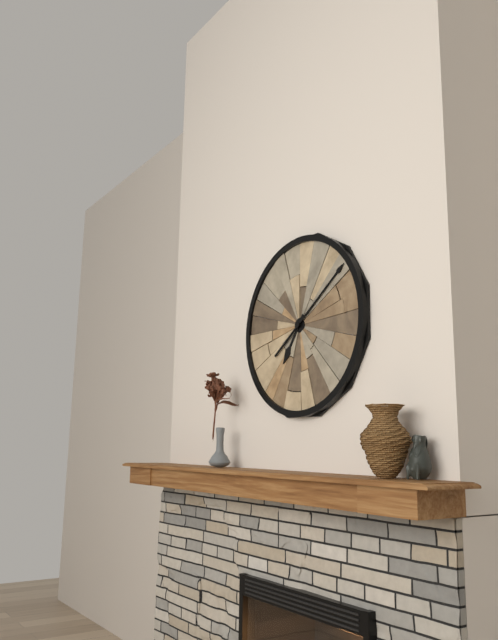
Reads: 7,09
